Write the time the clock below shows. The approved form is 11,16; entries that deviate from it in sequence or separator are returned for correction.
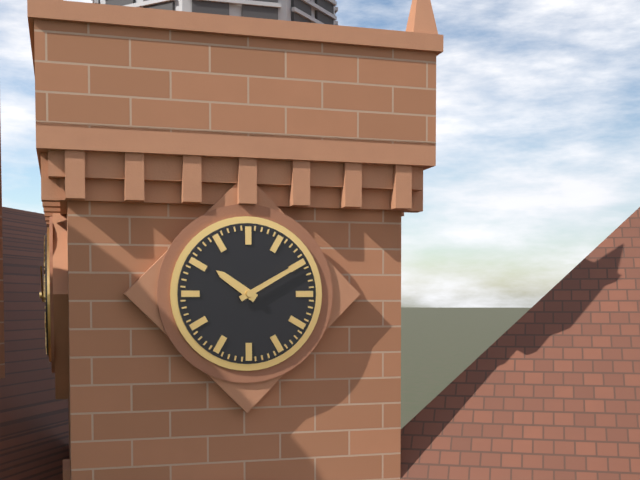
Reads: 10,10
